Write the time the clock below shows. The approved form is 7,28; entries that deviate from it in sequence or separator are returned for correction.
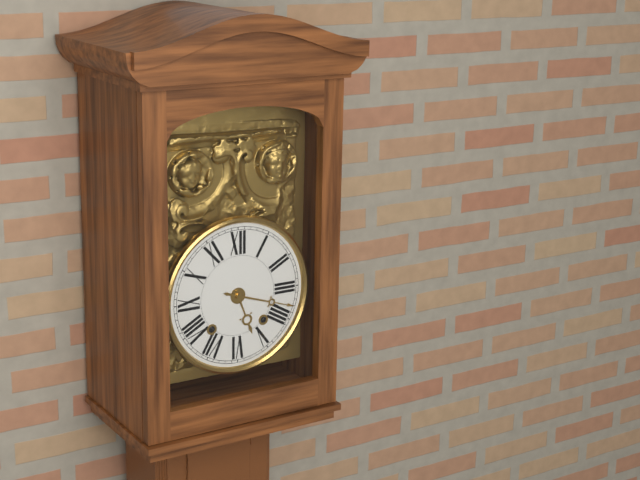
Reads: 5,18
